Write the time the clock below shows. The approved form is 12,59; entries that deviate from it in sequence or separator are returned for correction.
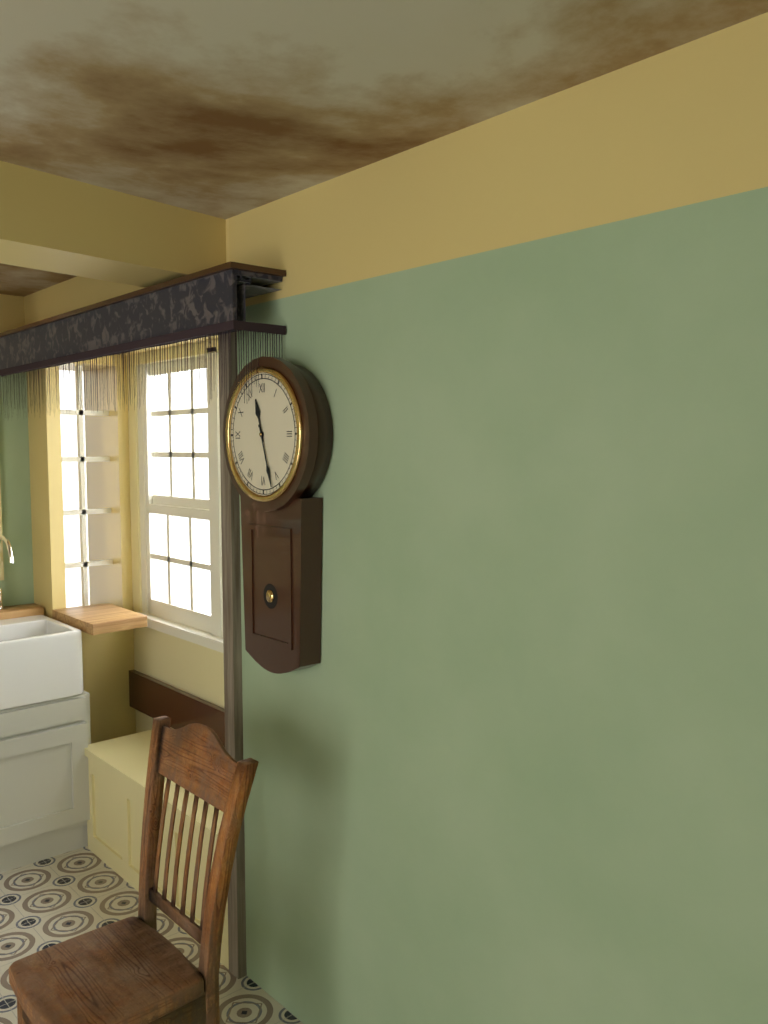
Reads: 11,27
